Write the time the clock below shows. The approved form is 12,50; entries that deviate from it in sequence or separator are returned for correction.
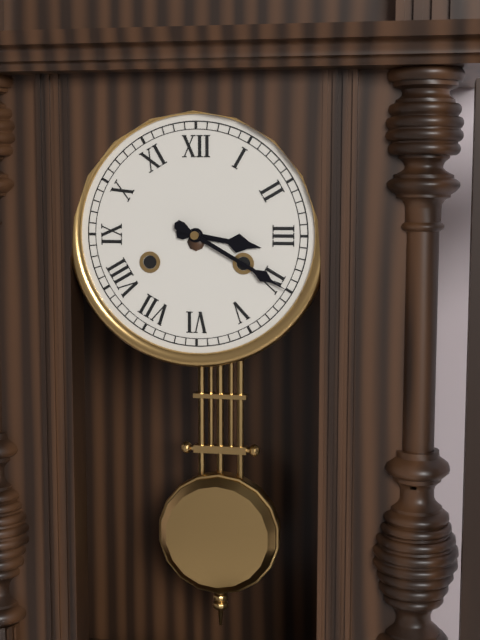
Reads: 3,20
